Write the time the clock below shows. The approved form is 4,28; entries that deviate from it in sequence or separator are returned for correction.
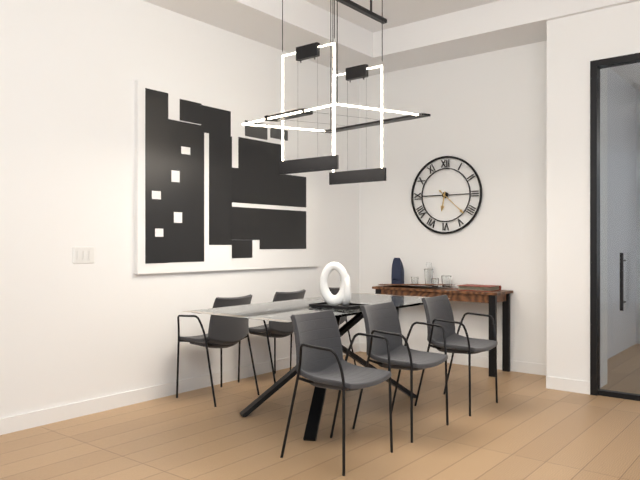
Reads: 6,22
